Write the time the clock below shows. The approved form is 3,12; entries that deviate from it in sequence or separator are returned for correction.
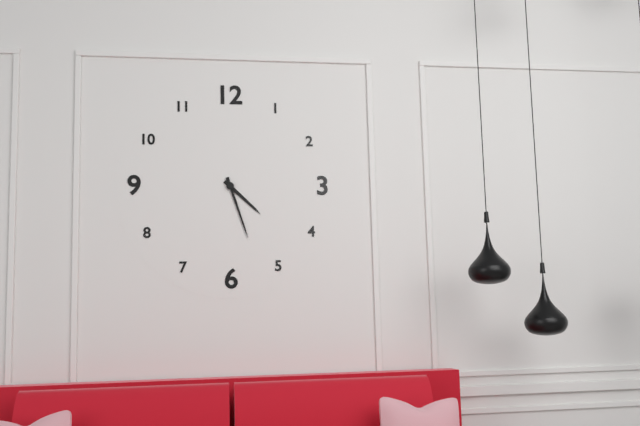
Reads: 4,27
